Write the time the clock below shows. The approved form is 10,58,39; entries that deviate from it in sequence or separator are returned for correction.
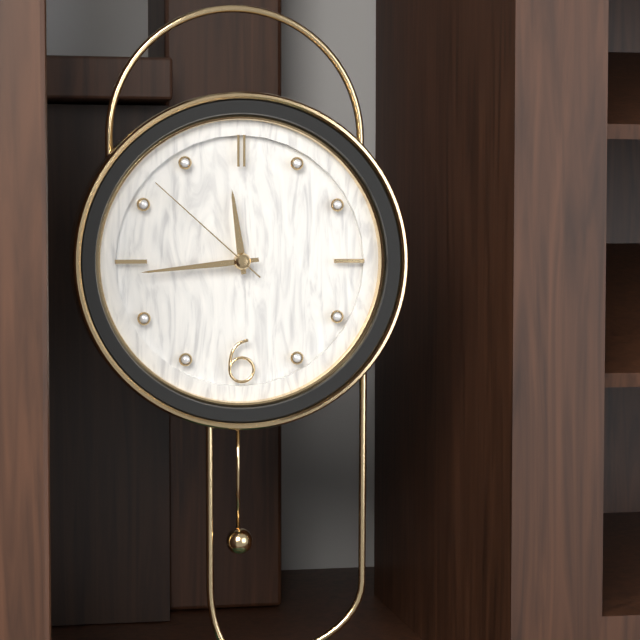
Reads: 11,44,52
